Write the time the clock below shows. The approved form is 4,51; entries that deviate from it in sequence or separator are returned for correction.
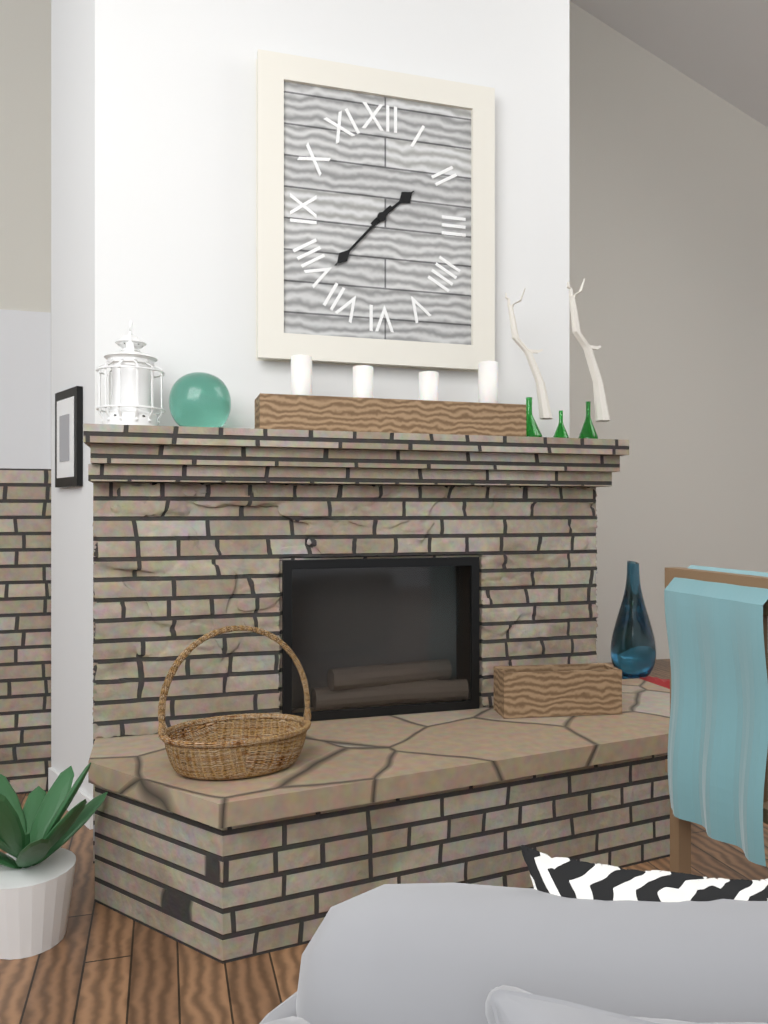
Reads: 1,37
